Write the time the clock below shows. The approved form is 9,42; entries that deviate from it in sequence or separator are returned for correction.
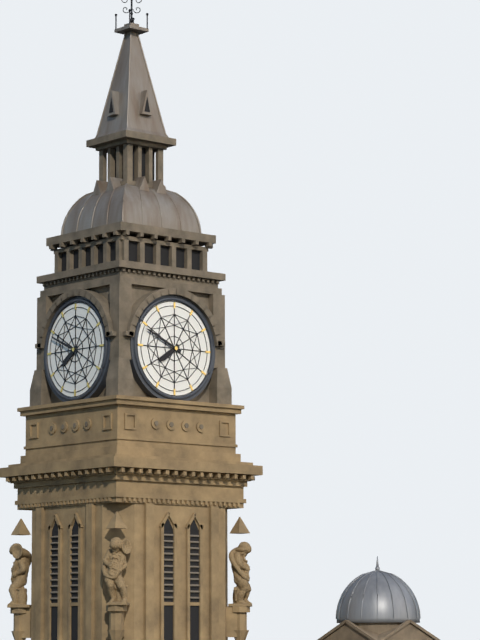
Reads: 7,49
